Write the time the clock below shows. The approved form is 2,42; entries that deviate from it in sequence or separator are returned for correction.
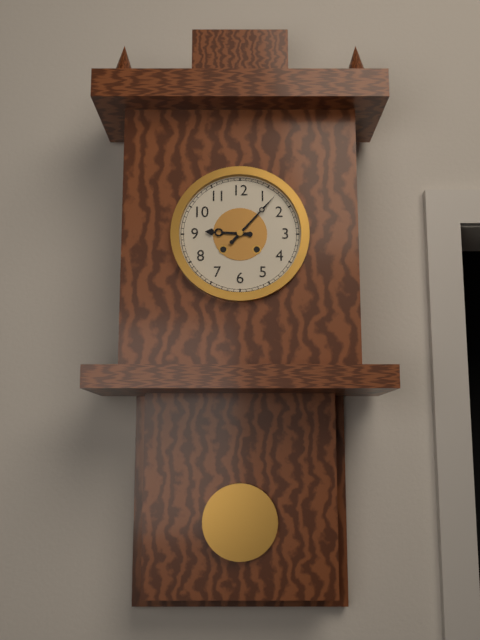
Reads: 9,07
